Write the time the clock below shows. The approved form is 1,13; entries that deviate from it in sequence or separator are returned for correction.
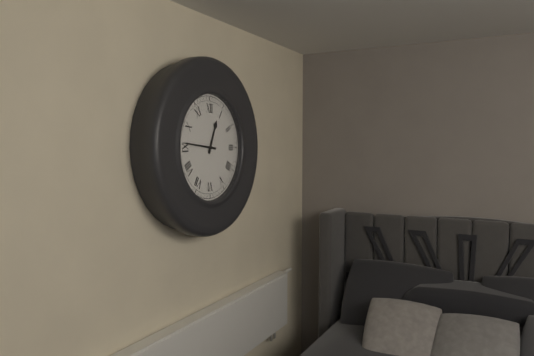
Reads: 12,46
